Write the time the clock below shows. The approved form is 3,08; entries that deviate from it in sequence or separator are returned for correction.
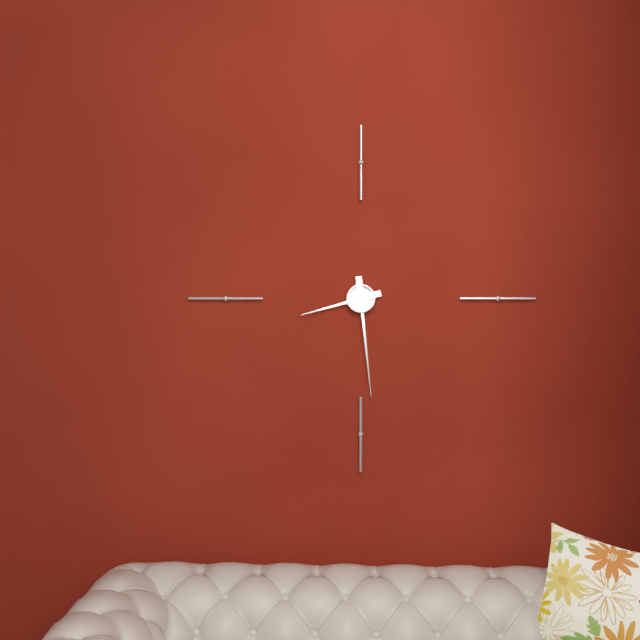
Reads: 8,29
